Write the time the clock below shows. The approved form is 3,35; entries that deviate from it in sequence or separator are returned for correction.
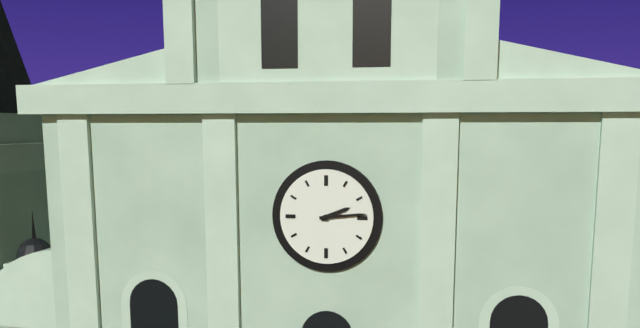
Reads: 2,14
